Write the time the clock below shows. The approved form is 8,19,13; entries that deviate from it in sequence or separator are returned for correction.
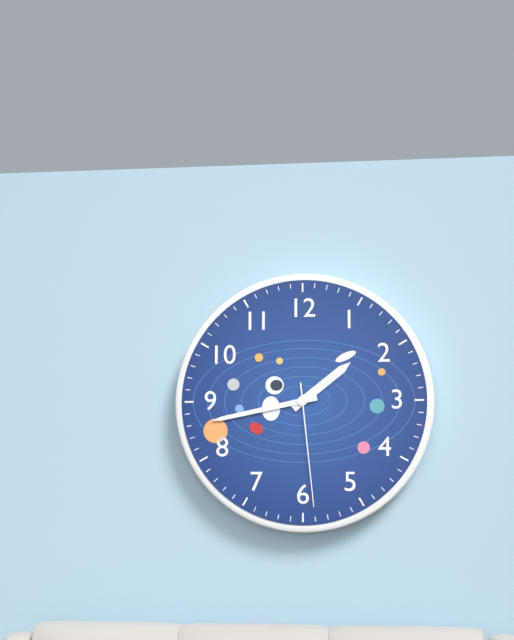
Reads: 1,43,29
